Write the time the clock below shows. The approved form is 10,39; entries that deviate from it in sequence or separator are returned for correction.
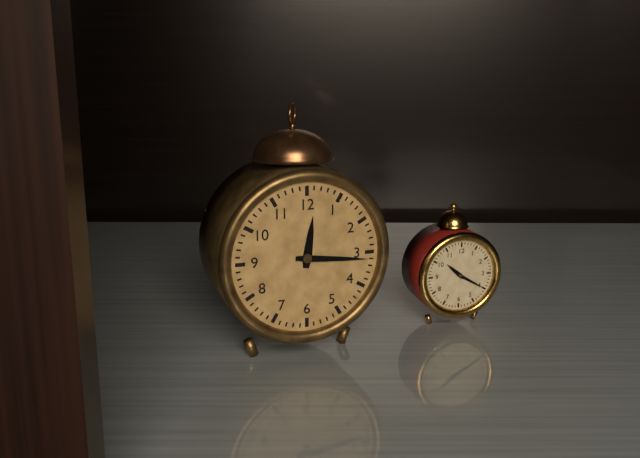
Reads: 12,16
